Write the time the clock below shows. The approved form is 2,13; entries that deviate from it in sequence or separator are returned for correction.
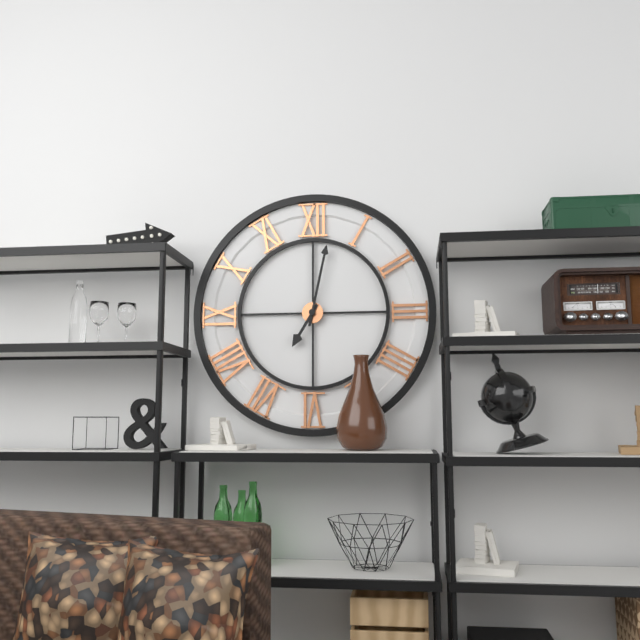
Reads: 7,02
